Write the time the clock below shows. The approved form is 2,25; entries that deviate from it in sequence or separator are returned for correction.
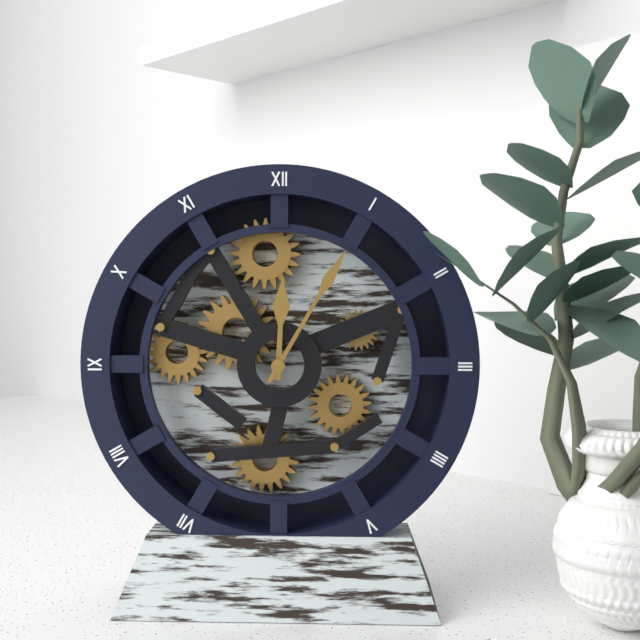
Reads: 12,05
